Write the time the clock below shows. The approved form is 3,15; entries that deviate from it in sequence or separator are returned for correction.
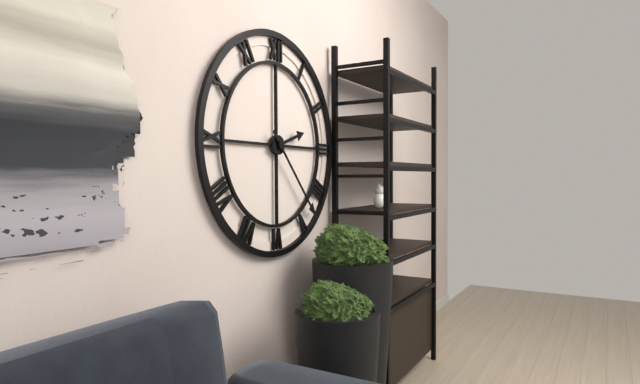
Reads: 2,23
